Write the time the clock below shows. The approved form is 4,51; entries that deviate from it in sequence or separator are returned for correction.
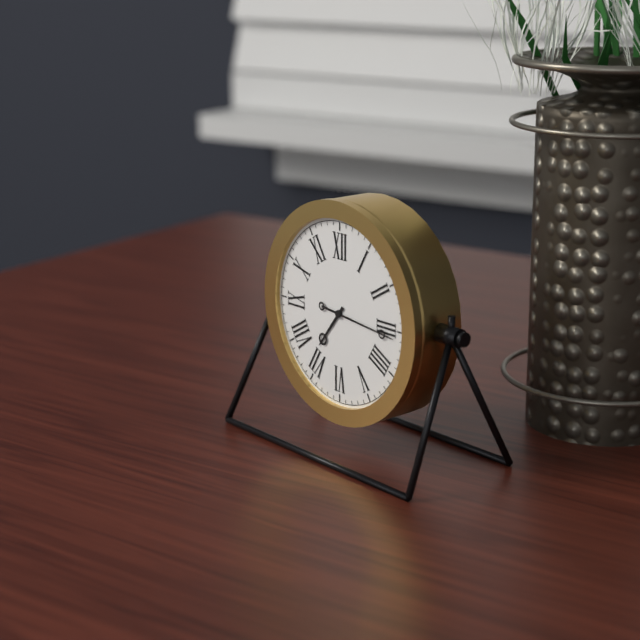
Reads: 7,16
